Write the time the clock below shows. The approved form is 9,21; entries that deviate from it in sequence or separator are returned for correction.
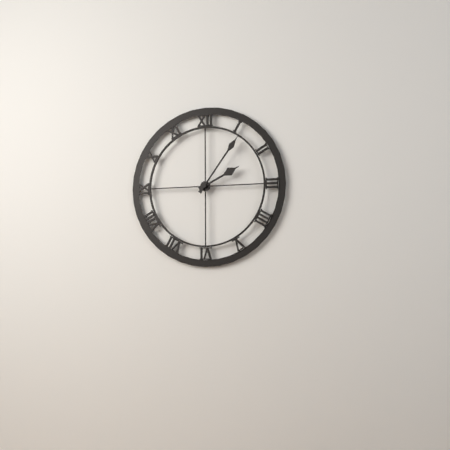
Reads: 2,06
